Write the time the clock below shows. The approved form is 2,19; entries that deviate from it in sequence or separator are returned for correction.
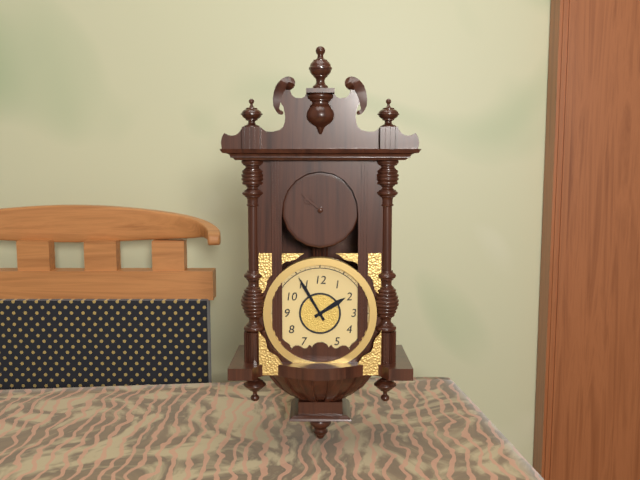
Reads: 1,55
